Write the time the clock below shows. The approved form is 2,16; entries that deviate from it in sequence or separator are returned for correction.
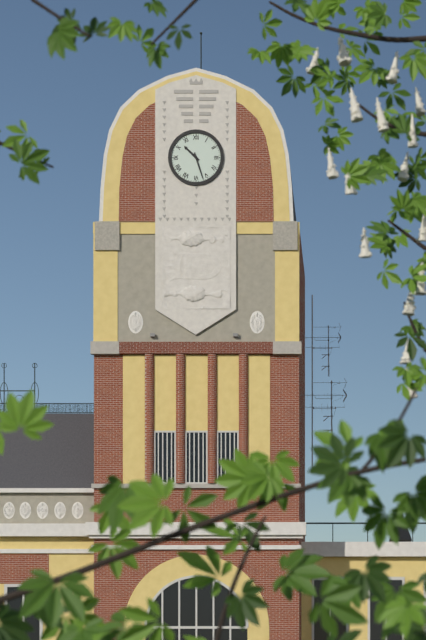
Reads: 10,27
